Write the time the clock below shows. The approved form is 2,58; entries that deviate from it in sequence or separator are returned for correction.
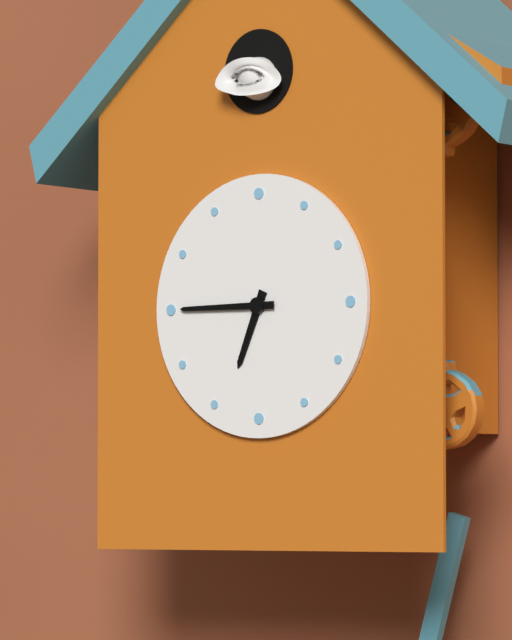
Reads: 6,45
